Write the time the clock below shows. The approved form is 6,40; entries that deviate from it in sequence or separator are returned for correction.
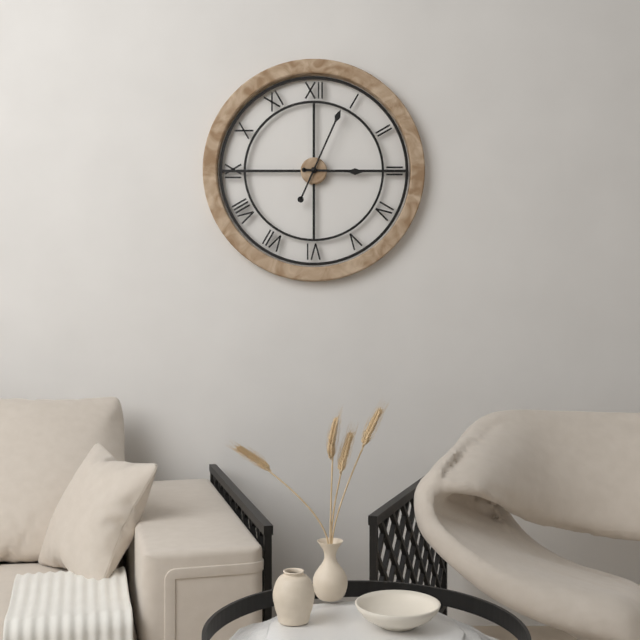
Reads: 3,04
